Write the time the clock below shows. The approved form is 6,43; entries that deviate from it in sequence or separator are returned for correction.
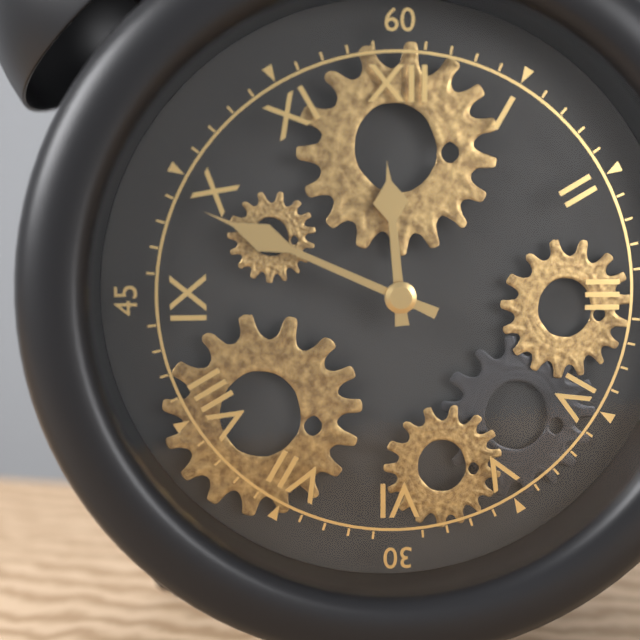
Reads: 11,49
